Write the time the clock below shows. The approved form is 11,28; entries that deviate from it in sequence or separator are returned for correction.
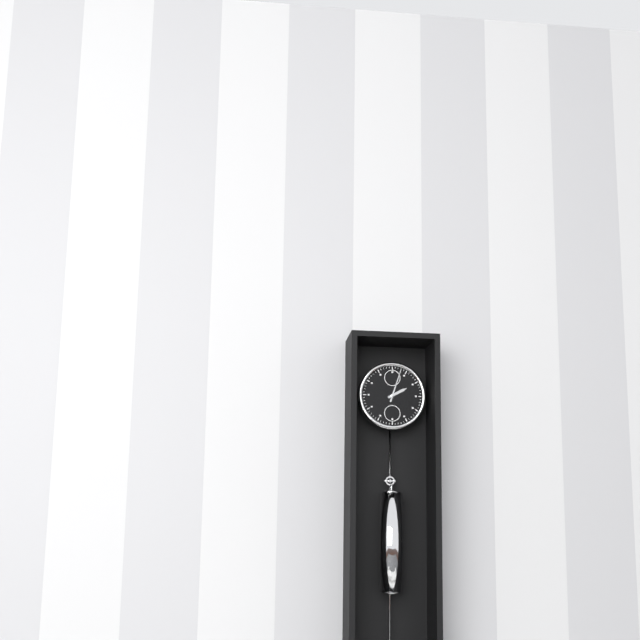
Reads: 2,03
